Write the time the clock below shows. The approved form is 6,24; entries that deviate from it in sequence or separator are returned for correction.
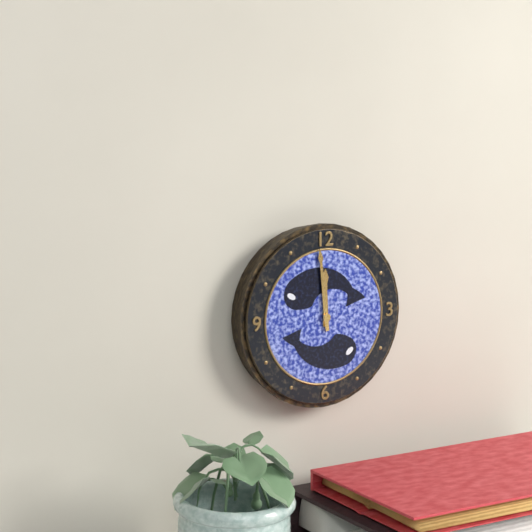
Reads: 11,59
